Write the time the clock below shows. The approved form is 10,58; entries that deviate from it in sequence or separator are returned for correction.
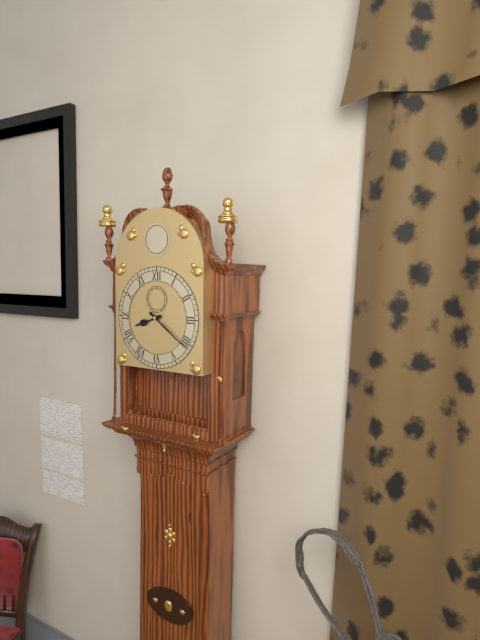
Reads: 8,21
